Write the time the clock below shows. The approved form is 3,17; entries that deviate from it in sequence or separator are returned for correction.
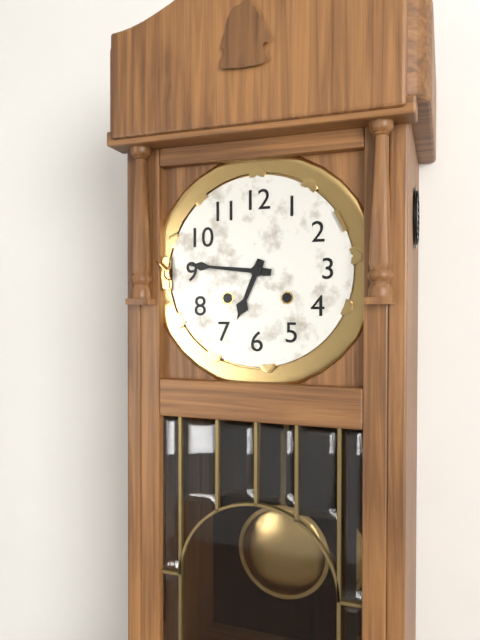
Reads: 6,46
